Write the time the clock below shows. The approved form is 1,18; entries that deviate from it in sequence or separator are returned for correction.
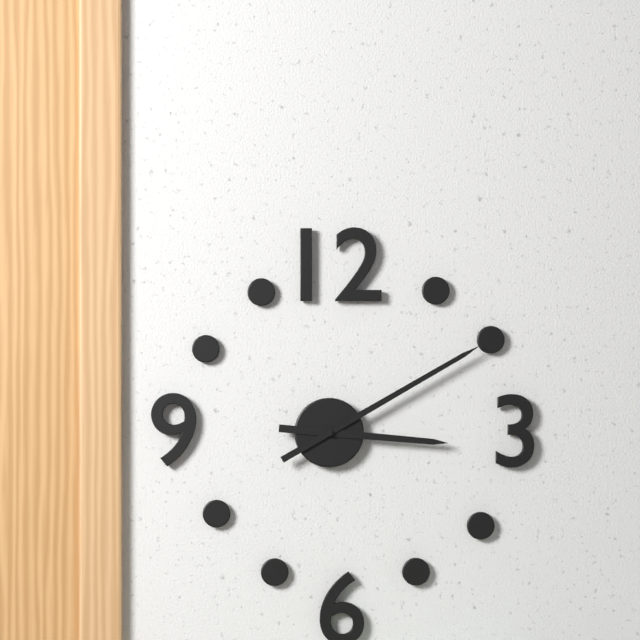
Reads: 3,10
